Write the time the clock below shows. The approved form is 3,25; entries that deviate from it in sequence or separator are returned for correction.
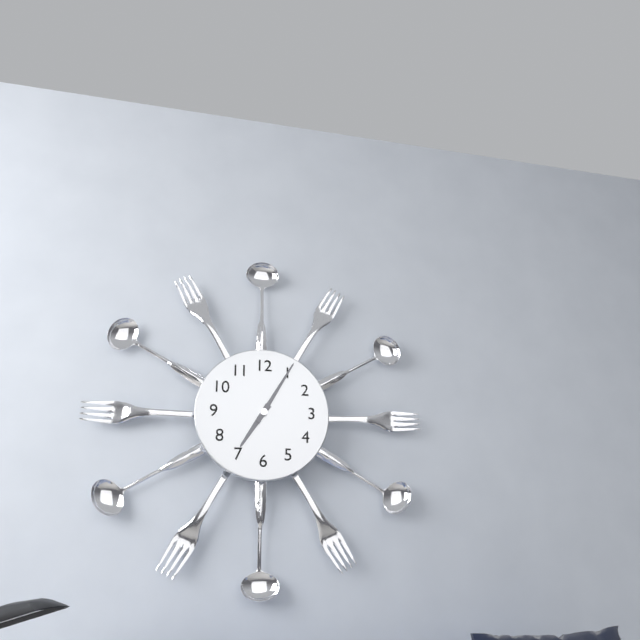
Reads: 7,05
